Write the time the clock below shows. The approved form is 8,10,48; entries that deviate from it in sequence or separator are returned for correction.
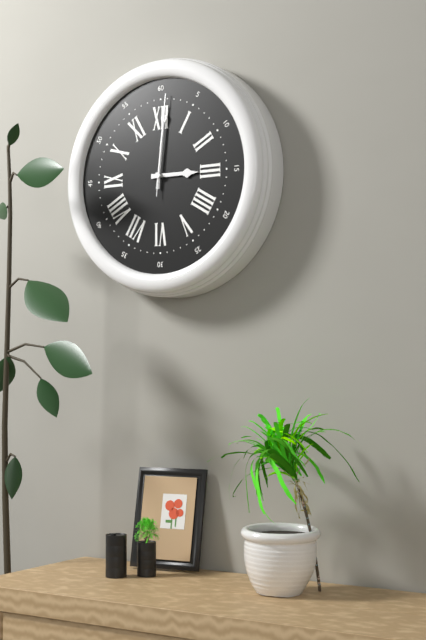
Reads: 3,01,01
